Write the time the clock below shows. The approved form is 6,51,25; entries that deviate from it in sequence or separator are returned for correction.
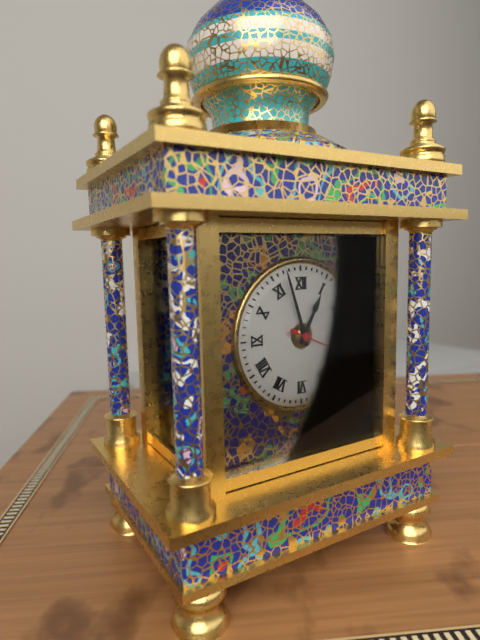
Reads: 12,57,19
